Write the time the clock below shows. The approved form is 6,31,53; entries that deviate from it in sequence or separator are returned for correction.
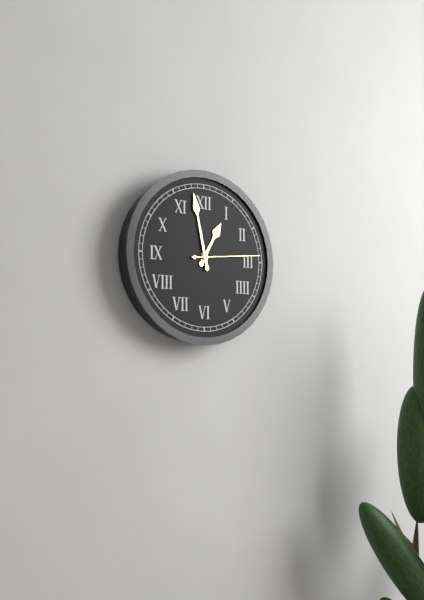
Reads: 12,58,14
